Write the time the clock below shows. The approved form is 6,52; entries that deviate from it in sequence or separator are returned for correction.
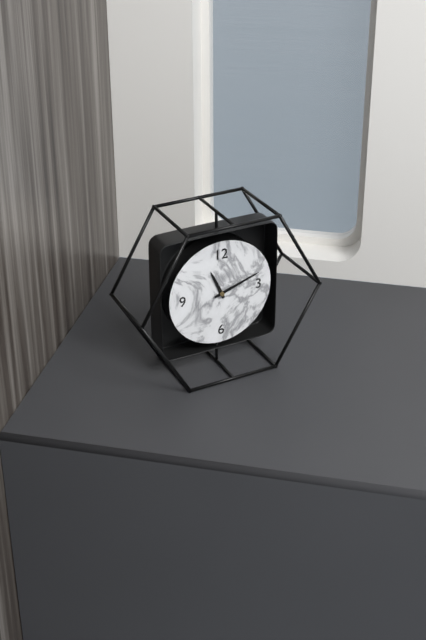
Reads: 11,12
